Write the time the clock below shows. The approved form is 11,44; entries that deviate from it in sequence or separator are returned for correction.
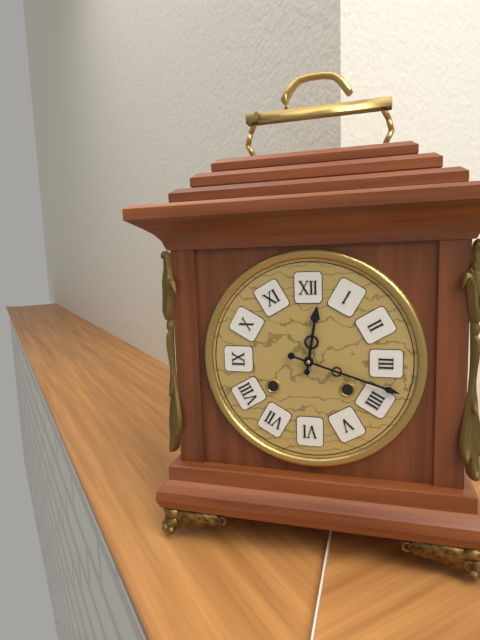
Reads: 12,18
